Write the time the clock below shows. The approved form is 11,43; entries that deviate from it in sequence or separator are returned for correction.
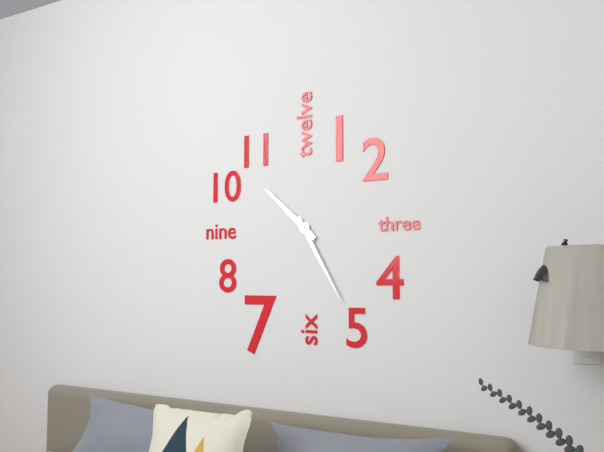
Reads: 10,25
